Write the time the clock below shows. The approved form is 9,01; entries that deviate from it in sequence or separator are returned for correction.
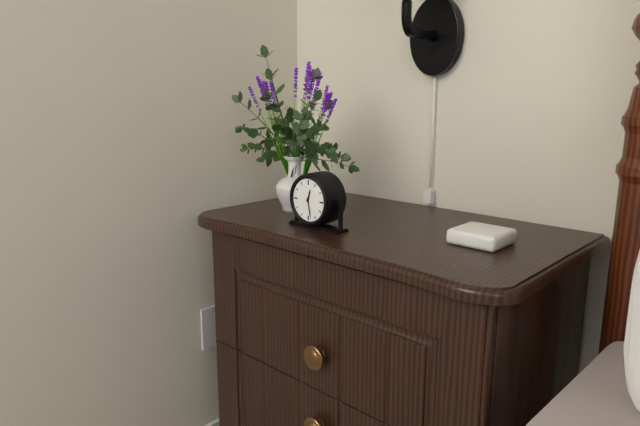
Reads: 12,28
